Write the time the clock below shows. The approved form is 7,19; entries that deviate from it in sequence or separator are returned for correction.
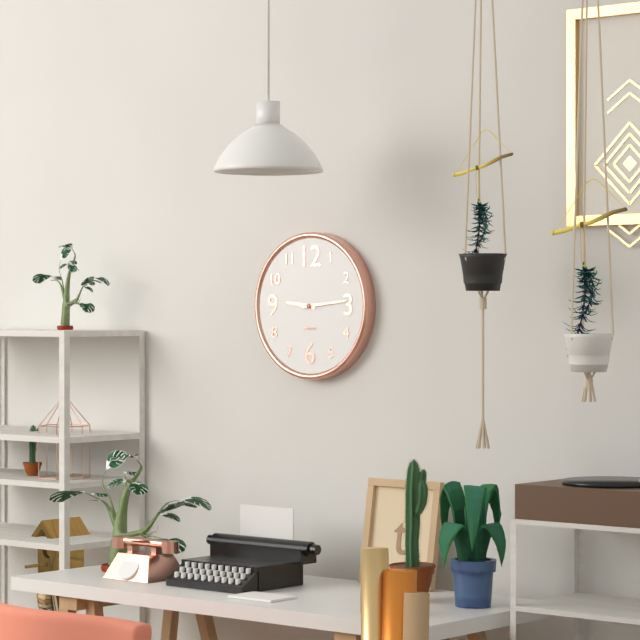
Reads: 9,14
